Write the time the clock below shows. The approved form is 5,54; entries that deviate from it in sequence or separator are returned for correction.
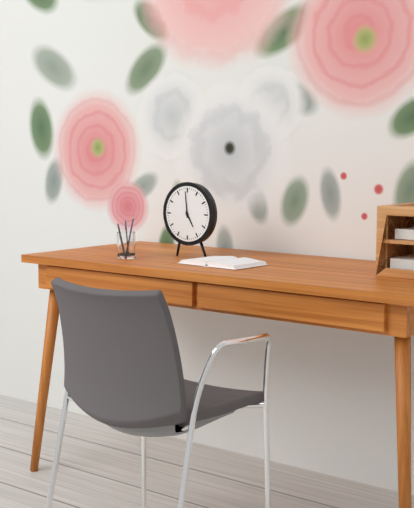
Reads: 4,59
